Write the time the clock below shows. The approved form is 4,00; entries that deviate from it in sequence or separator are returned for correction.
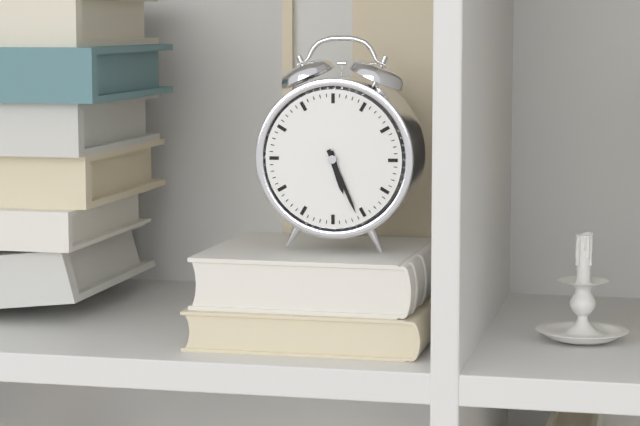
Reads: 5,26
